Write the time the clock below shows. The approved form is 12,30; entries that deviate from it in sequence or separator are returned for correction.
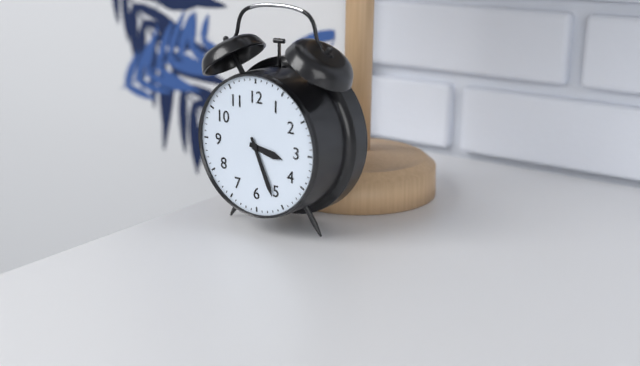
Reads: 3,26
